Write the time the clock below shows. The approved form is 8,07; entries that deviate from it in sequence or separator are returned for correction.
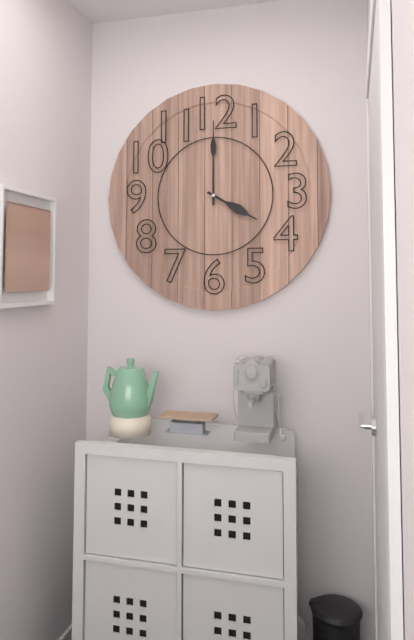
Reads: 4,00
